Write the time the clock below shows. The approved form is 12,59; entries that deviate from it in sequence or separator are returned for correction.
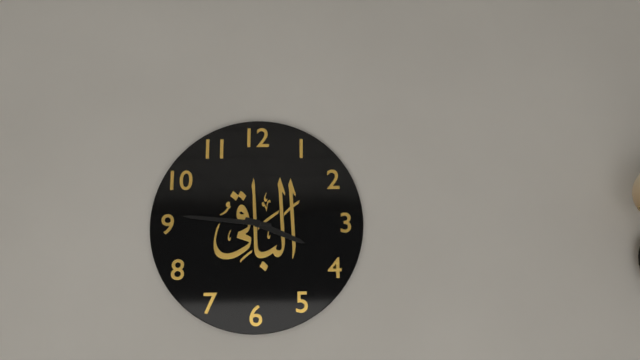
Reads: 3,46
